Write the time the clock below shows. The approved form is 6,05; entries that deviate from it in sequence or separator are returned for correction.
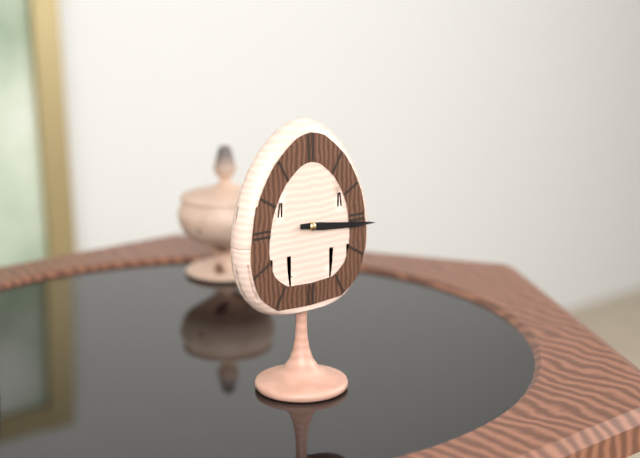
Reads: 3,16
